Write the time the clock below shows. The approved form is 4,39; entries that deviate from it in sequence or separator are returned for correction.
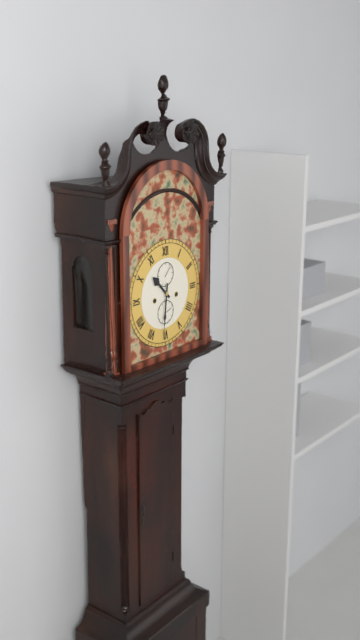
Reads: 10,31
